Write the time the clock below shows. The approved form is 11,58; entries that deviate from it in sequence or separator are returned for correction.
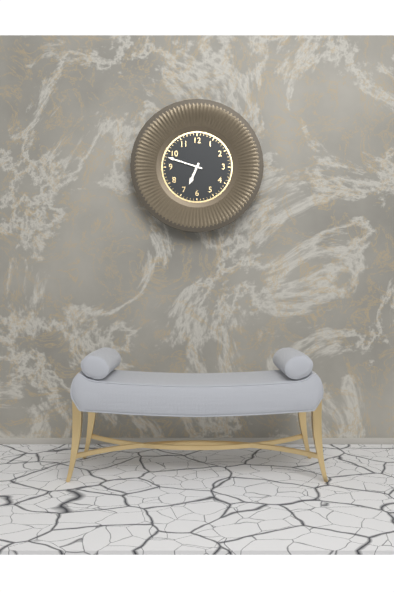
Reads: 6,48
